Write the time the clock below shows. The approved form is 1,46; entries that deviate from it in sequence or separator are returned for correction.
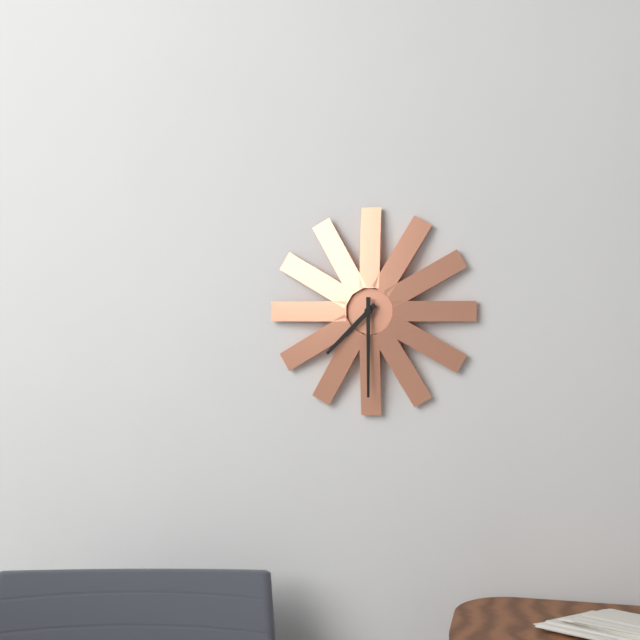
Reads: 7,30
